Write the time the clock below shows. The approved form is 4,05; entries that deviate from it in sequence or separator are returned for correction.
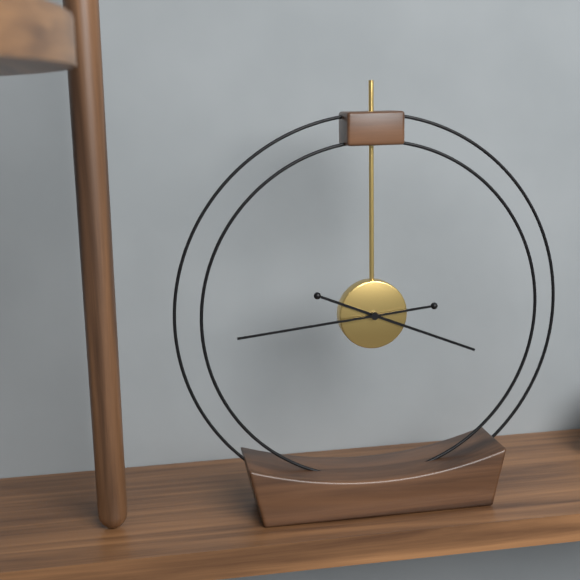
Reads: 3,44
